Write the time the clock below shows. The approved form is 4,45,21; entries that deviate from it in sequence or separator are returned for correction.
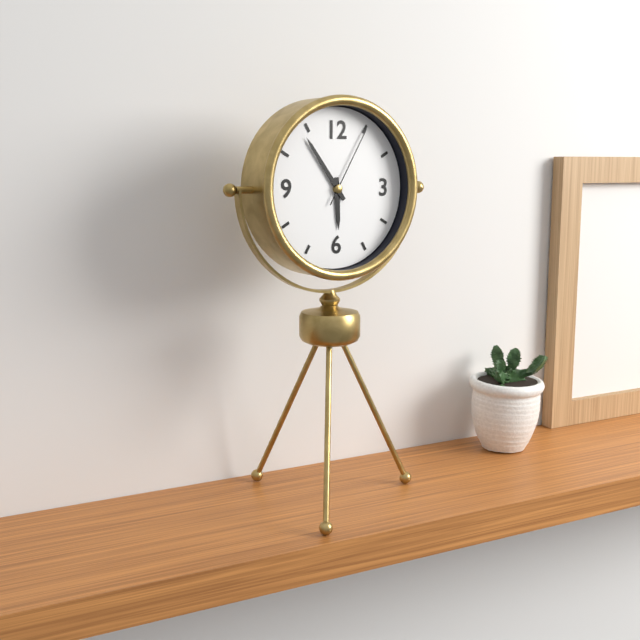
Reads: 5,54,05
